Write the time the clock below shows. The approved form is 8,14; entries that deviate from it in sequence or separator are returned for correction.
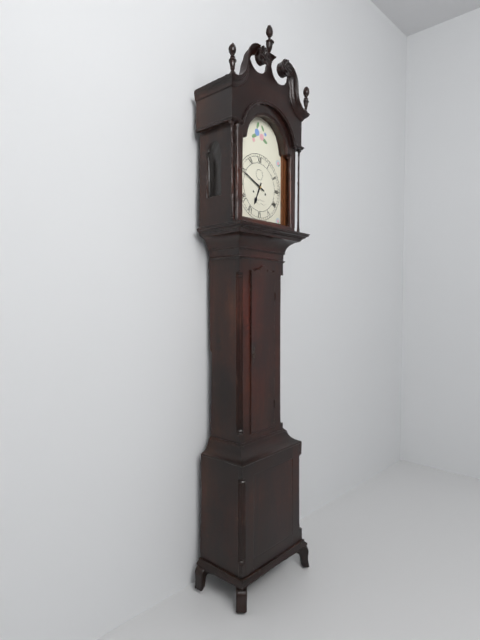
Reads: 6,49
